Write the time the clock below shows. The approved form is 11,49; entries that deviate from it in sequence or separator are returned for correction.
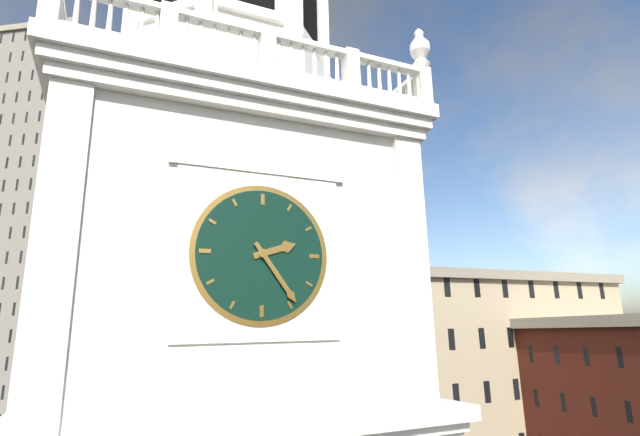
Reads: 2,24
